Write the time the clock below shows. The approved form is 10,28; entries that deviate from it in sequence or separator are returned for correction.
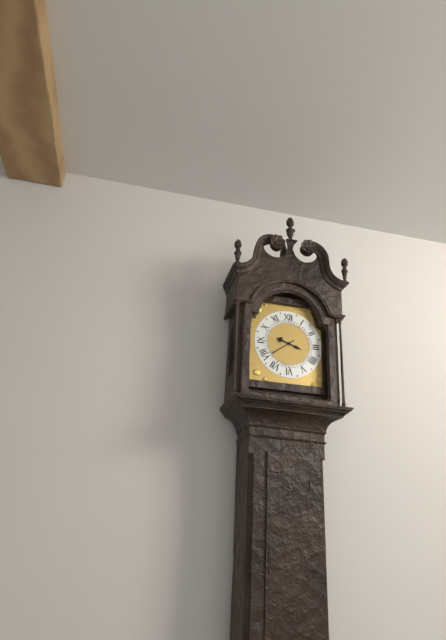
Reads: 3,39
